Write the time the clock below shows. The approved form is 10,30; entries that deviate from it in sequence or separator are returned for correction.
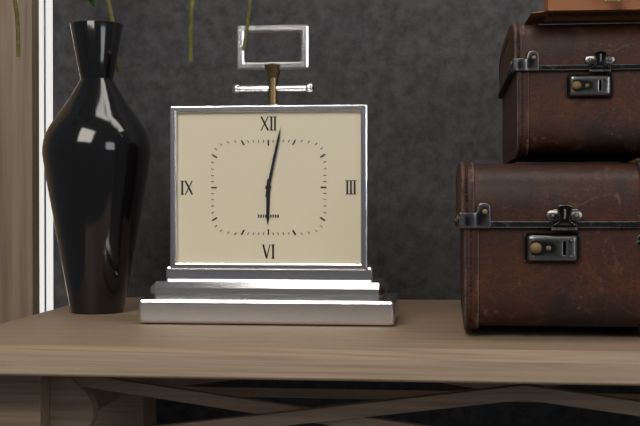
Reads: 6,02
